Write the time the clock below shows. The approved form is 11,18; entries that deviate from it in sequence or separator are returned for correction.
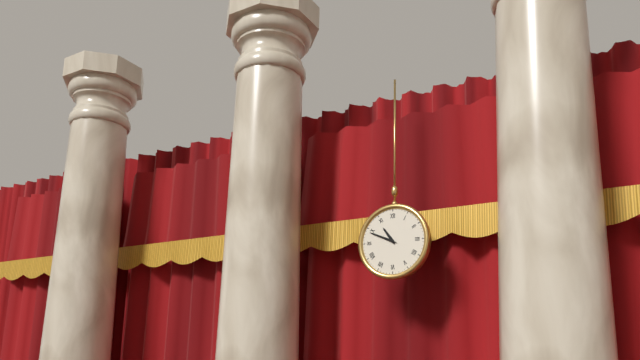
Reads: 10,49
